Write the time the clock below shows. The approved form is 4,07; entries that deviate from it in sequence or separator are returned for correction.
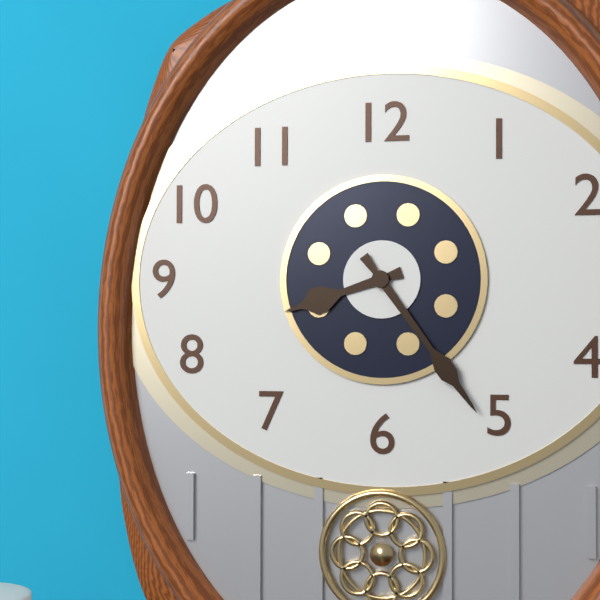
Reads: 8,24
